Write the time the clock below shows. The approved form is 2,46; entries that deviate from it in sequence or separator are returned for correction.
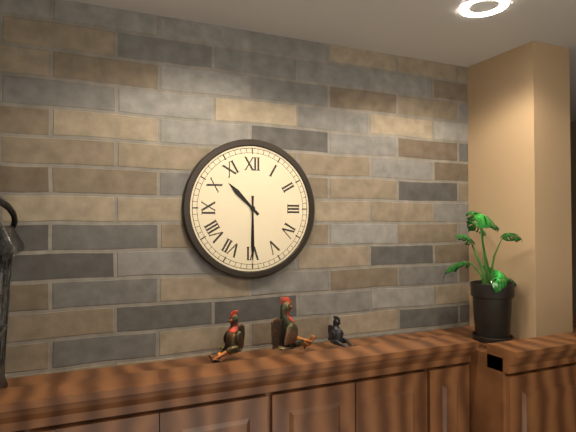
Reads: 10,30
